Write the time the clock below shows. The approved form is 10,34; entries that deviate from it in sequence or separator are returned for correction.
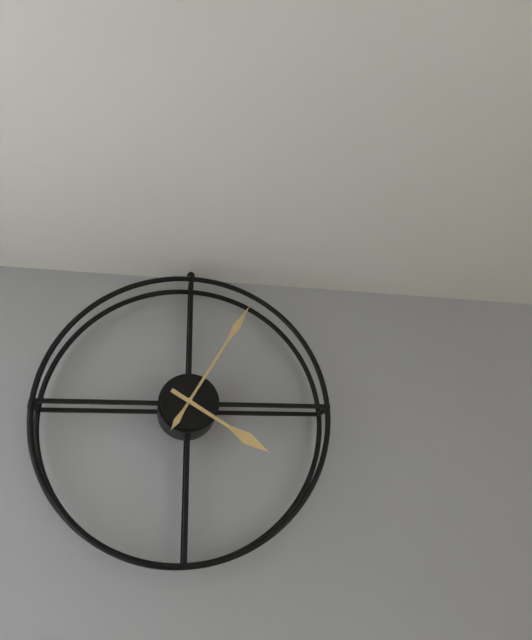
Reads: 4,05
